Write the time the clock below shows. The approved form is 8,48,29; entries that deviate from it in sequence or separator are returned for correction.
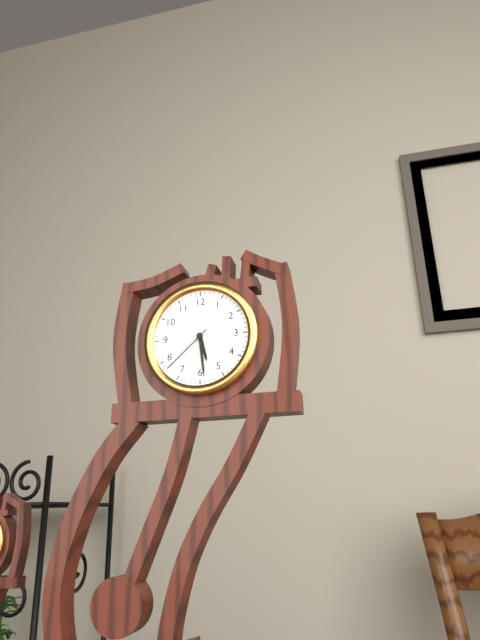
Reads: 5,29,38
